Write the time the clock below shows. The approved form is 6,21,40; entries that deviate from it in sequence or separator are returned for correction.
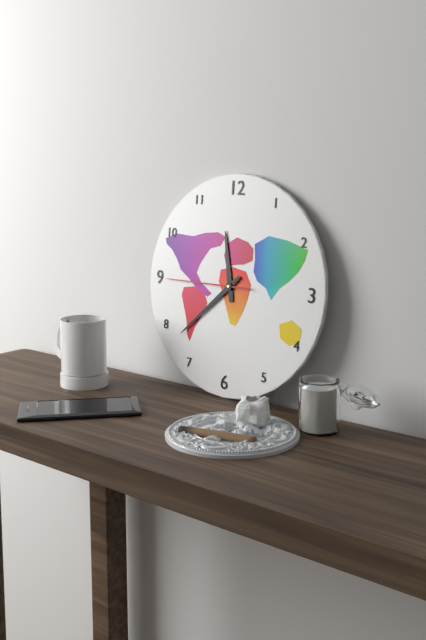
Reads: 11,38,45
